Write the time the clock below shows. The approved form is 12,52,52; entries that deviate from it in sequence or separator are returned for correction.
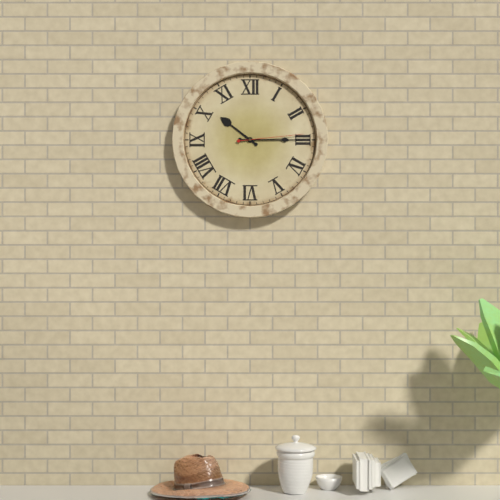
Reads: 10,15,14
